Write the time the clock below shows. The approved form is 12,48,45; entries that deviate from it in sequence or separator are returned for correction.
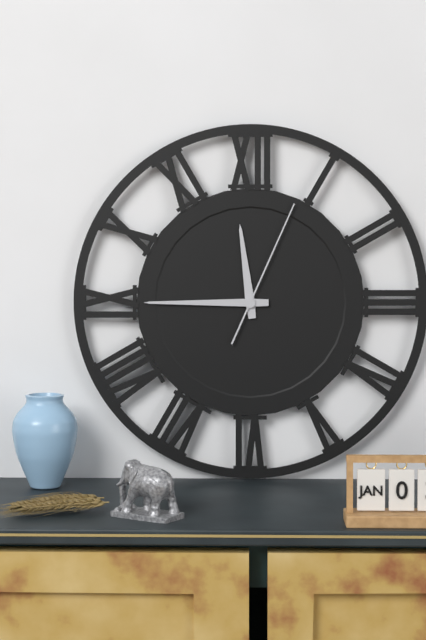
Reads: 11,45,04
